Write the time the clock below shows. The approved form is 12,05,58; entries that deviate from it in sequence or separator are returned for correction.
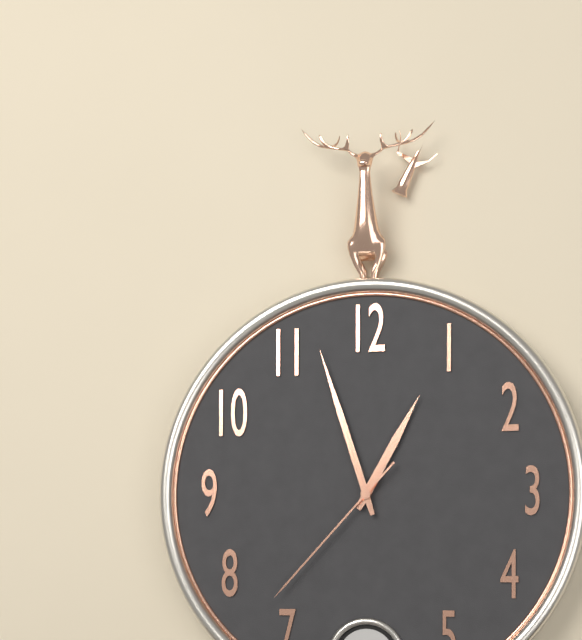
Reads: 12,57,37
